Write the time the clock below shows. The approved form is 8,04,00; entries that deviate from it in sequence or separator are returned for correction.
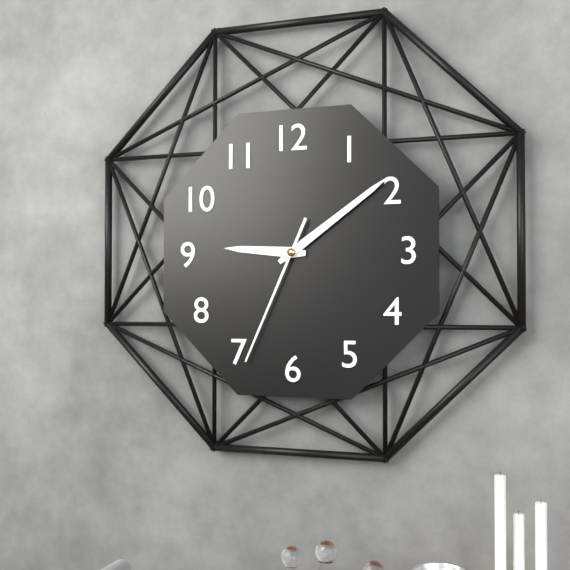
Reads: 9,09,34
